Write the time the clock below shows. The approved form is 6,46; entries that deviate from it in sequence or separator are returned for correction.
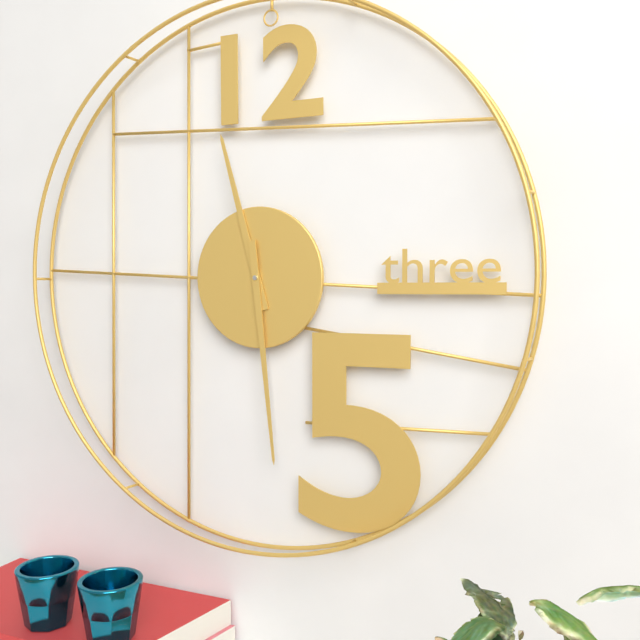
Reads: 11,29
